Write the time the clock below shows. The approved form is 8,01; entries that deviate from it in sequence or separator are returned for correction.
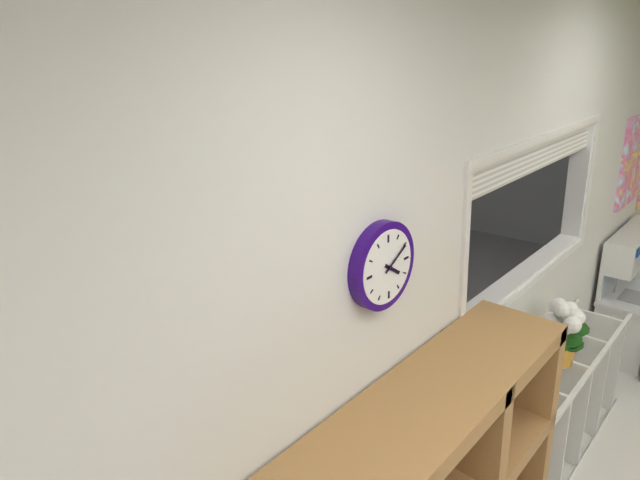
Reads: 4,10
